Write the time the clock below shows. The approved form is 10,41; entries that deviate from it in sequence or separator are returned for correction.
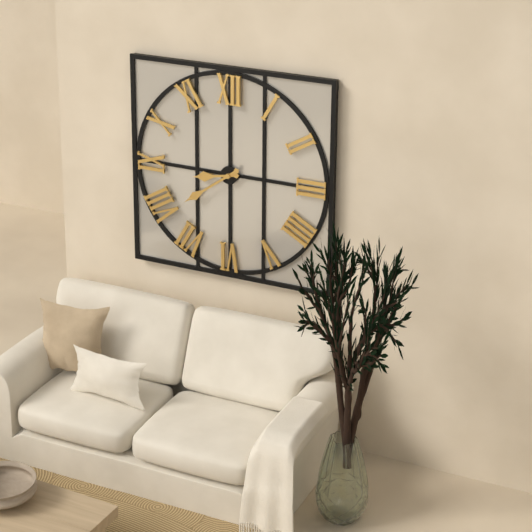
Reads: 8,39
